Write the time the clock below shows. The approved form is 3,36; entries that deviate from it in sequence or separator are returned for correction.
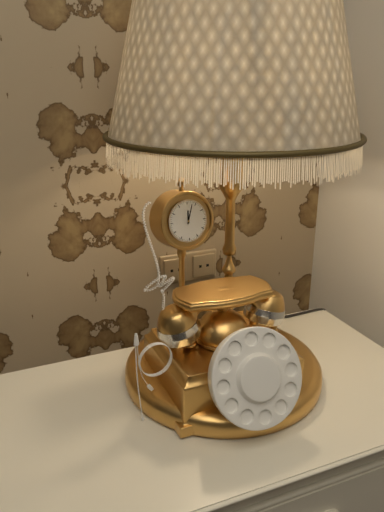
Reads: 12,03
